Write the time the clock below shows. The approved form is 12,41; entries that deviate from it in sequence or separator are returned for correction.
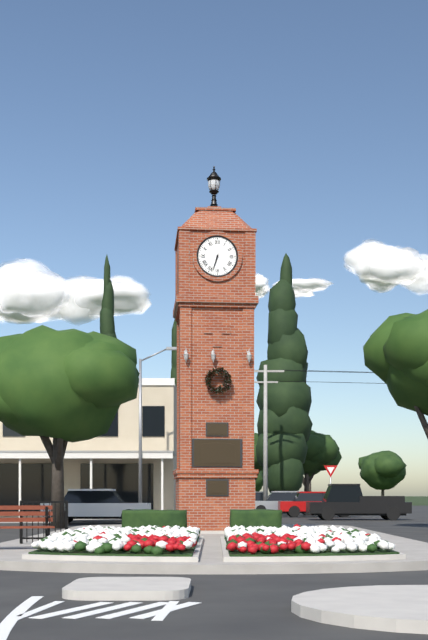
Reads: 6,33
